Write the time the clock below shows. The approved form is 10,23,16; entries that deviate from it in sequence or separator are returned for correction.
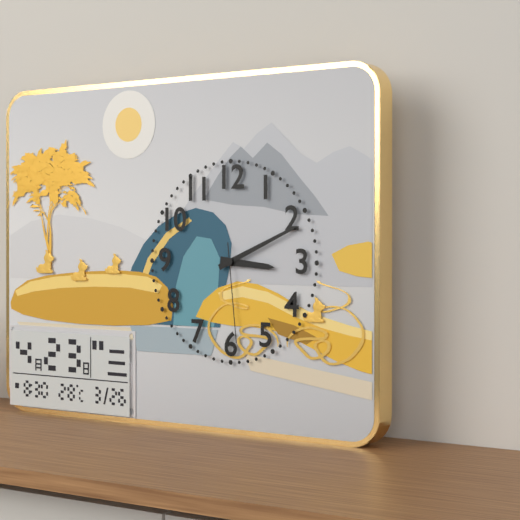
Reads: 3,11,29
